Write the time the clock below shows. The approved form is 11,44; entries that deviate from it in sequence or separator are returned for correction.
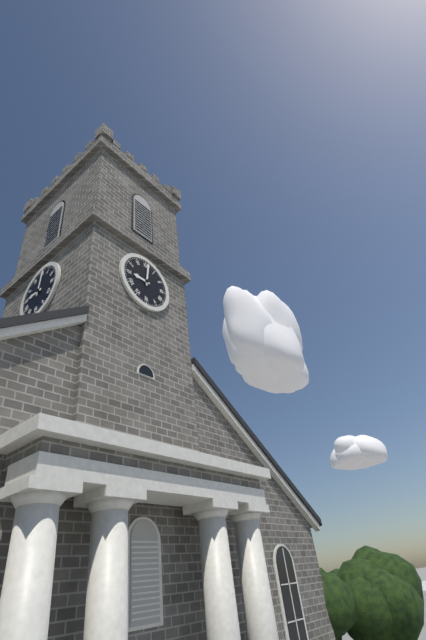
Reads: 9,01
